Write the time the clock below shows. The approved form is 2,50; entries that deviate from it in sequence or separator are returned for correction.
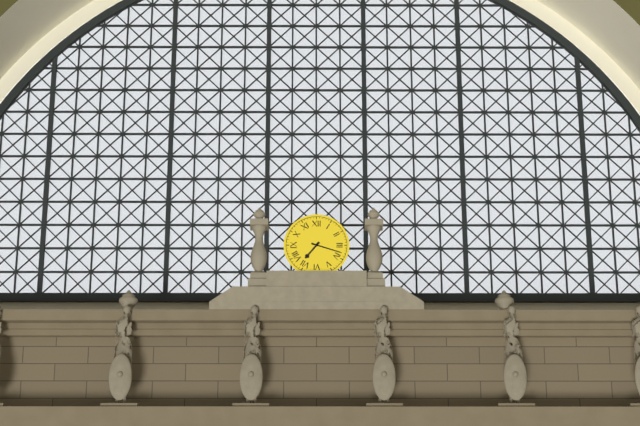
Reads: 7,18
